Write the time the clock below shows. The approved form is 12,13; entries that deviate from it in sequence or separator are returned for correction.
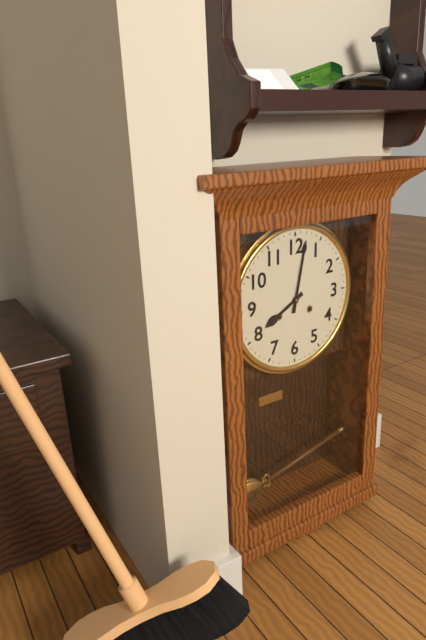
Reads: 8,02
